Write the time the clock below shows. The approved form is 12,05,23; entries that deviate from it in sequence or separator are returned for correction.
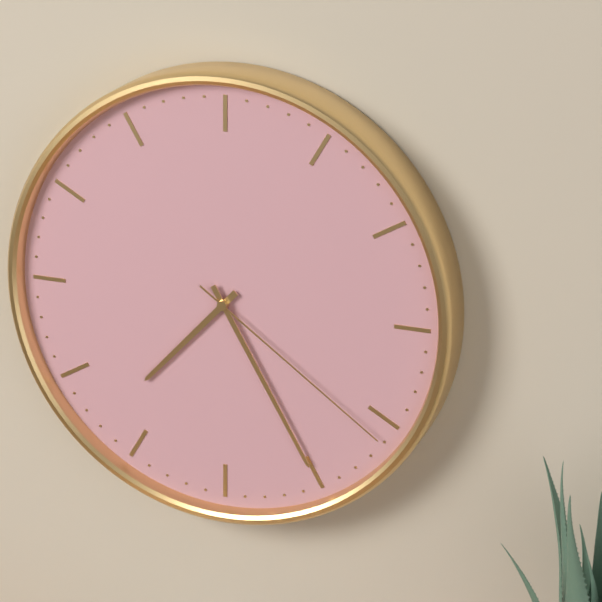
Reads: 7,25,21
